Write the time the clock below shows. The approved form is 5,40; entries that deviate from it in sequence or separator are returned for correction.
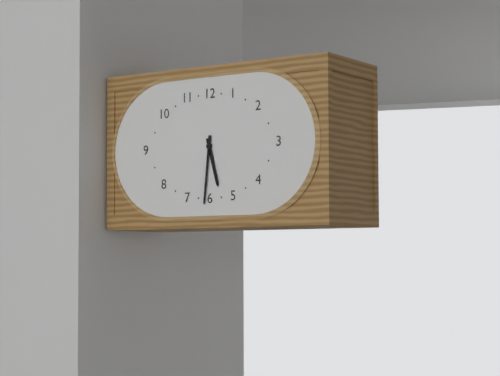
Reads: 5,31
